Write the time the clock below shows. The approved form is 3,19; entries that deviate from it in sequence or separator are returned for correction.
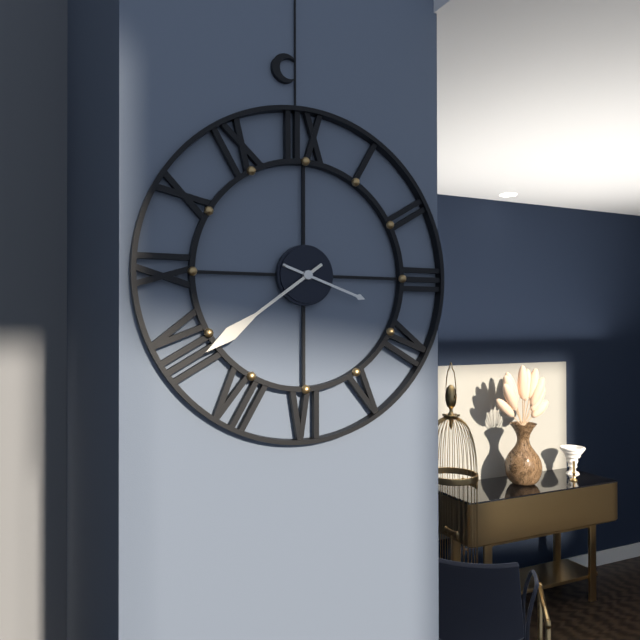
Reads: 3,39
